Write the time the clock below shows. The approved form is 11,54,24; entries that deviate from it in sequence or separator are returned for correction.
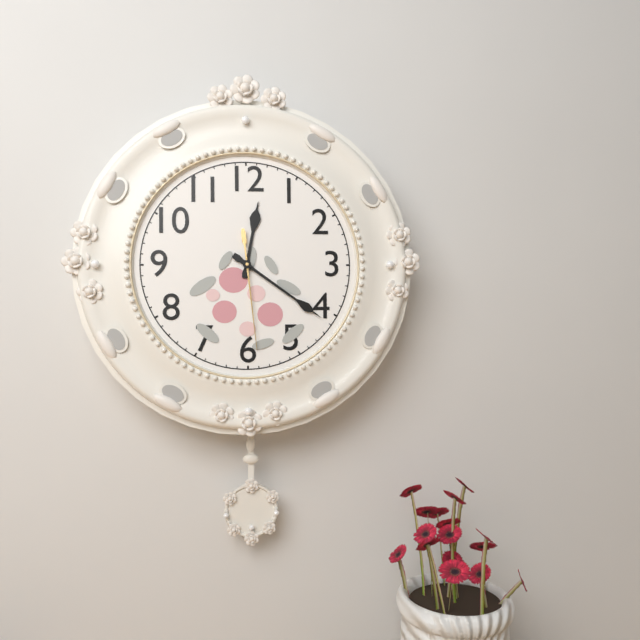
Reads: 12,21,29
